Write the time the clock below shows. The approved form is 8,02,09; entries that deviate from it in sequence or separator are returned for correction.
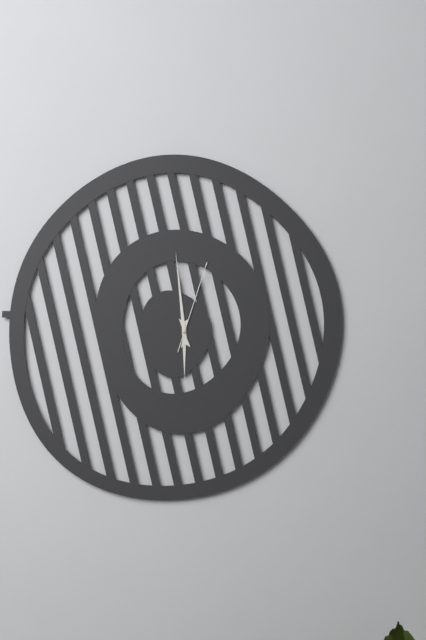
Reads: 5,59,03
